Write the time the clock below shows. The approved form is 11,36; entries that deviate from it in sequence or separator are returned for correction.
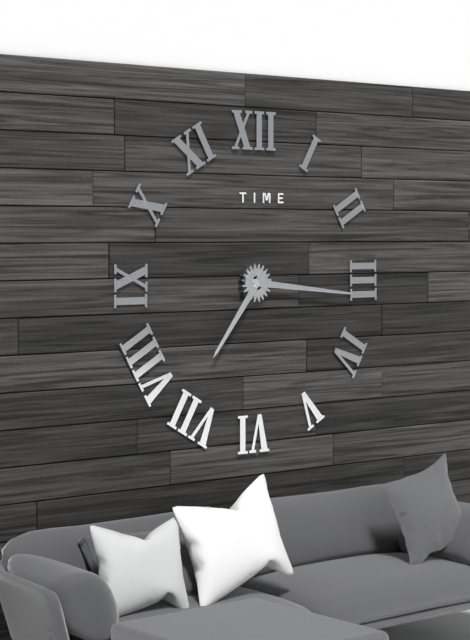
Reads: 7,16
